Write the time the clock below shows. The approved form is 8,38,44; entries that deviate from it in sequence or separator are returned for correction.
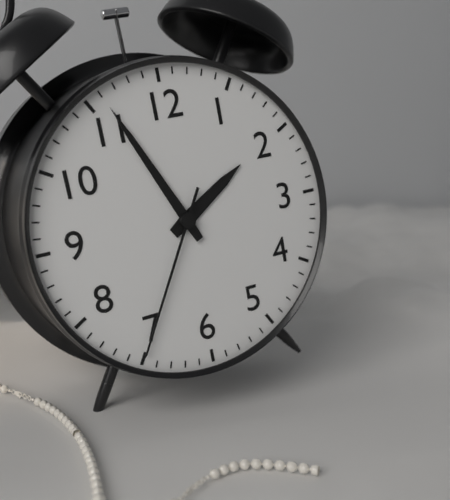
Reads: 1,56,35
